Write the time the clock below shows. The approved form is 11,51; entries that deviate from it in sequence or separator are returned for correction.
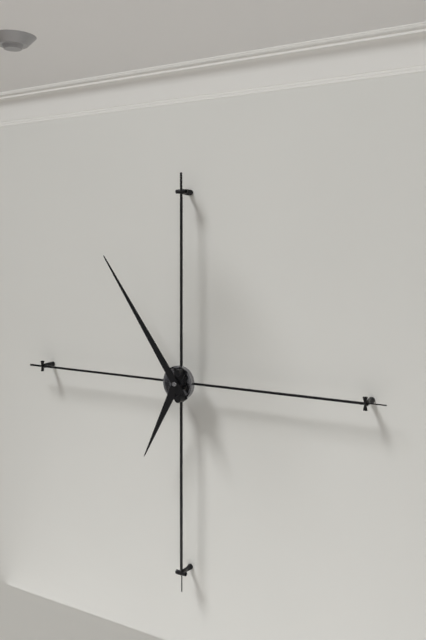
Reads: 6,54
